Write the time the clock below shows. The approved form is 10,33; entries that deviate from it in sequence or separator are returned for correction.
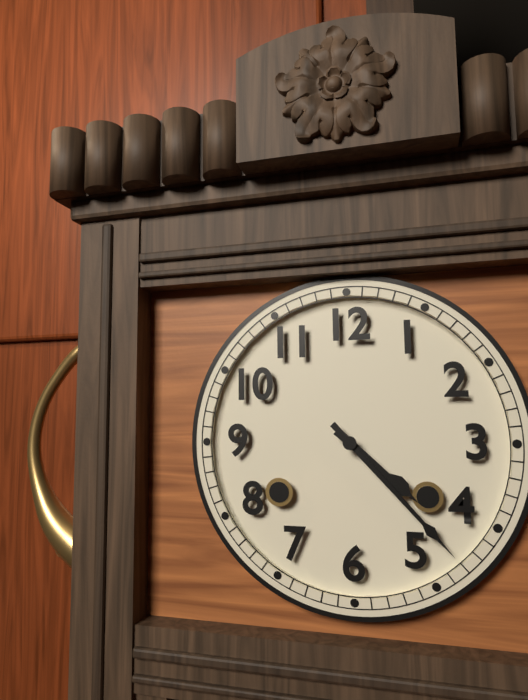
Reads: 4,23
